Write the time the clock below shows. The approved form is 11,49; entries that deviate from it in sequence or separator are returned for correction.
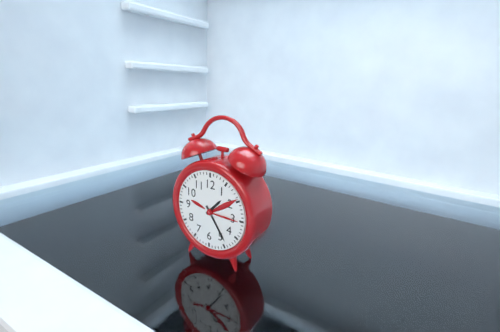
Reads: 1,24
